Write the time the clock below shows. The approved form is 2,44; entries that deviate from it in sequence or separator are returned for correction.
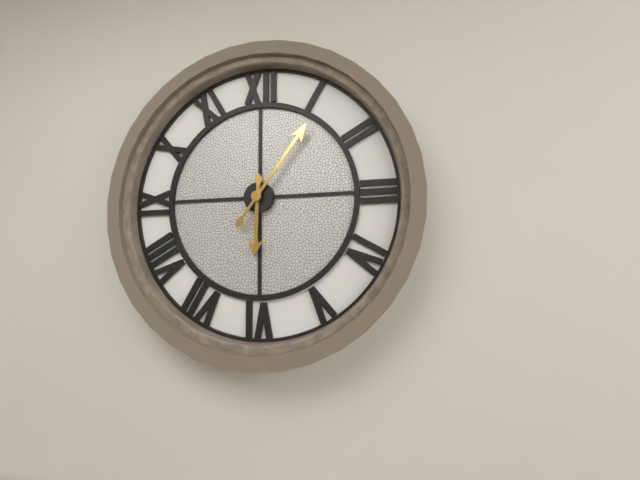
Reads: 6,06
